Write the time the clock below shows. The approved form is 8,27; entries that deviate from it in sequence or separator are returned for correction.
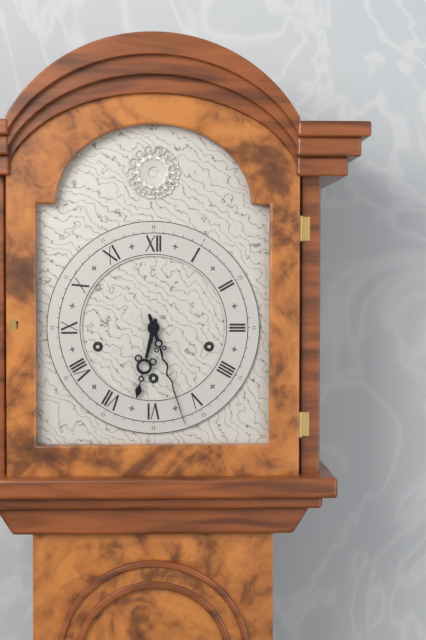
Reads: 6,27
